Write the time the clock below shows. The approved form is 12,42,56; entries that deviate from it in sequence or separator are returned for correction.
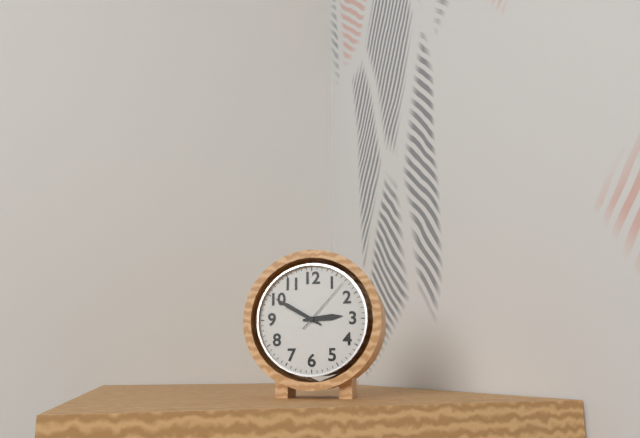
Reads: 2,50,07
